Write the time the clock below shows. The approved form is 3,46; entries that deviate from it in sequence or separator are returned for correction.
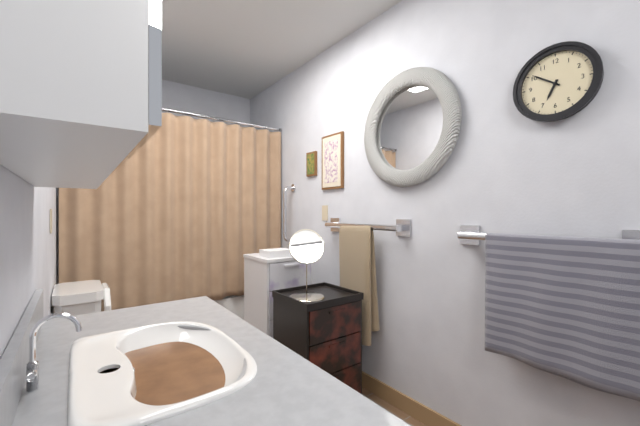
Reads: 6,51
